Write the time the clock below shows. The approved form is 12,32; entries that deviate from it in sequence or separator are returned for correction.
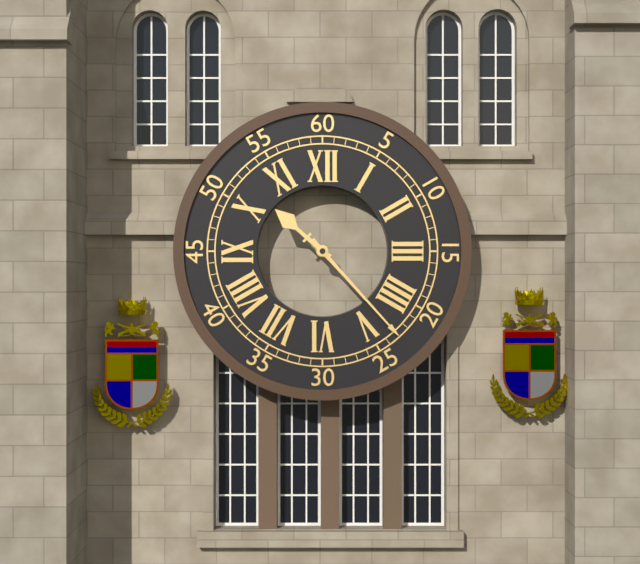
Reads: 10,23
